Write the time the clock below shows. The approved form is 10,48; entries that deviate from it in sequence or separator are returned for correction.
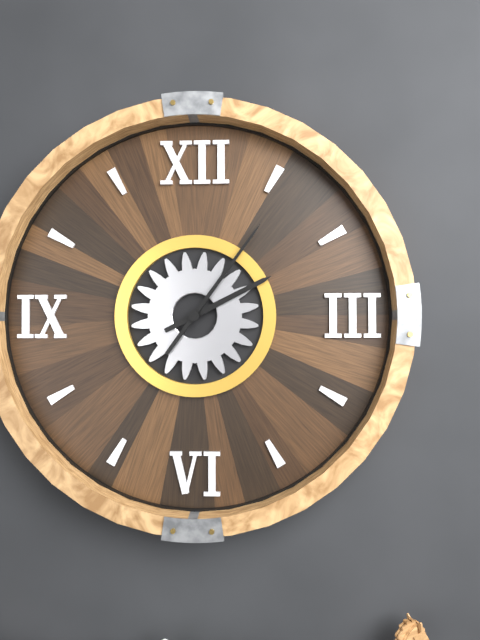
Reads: 2,06
